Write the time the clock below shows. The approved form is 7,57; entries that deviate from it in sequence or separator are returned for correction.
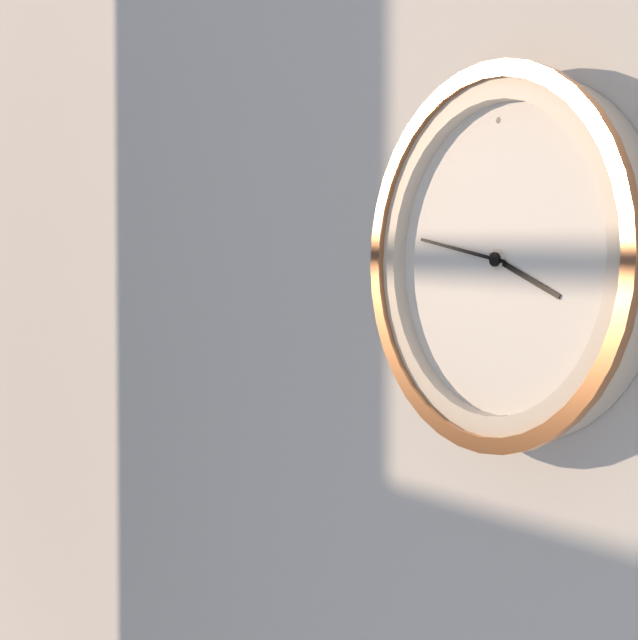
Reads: 3,47
